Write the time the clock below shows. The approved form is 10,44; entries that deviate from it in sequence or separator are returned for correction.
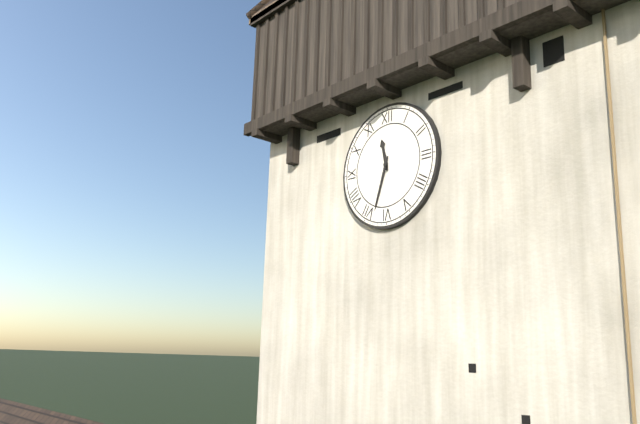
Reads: 11,33
